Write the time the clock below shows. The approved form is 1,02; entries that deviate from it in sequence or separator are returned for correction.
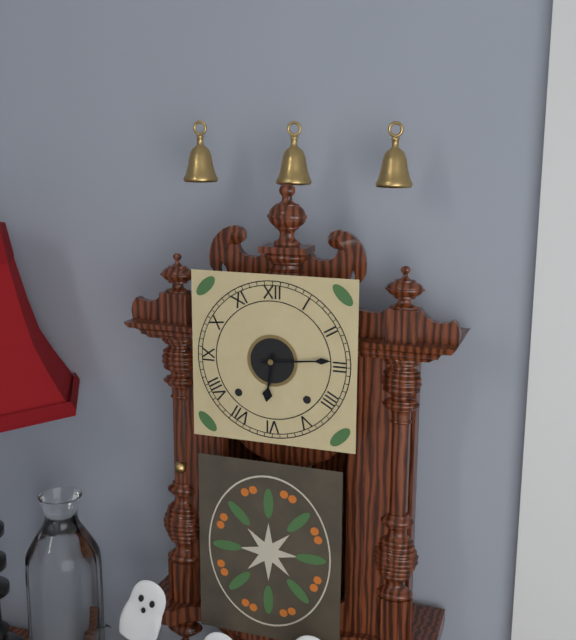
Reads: 6,14
